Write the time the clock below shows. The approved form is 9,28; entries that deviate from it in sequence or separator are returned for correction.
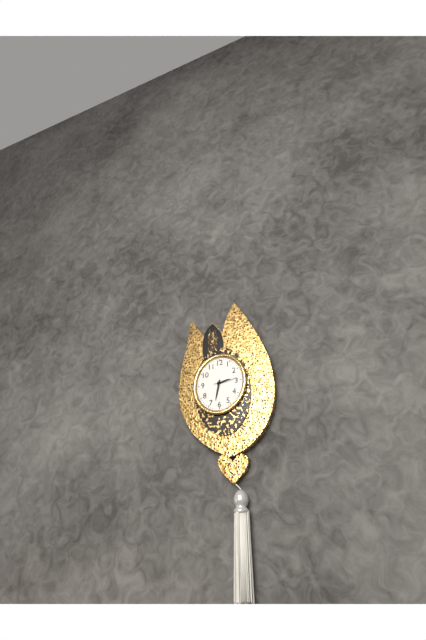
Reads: 2,32
